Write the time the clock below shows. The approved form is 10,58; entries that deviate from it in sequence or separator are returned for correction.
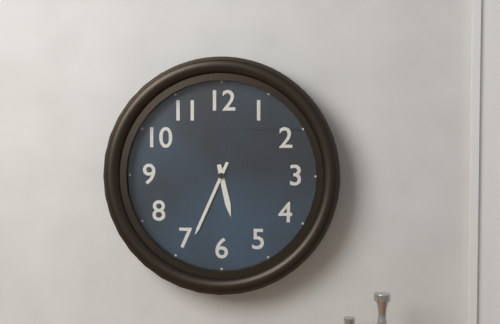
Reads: 5,34
